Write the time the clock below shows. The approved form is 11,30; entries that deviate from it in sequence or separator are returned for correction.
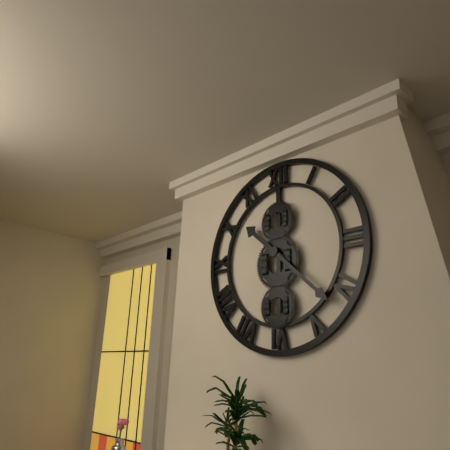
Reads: 10,22
